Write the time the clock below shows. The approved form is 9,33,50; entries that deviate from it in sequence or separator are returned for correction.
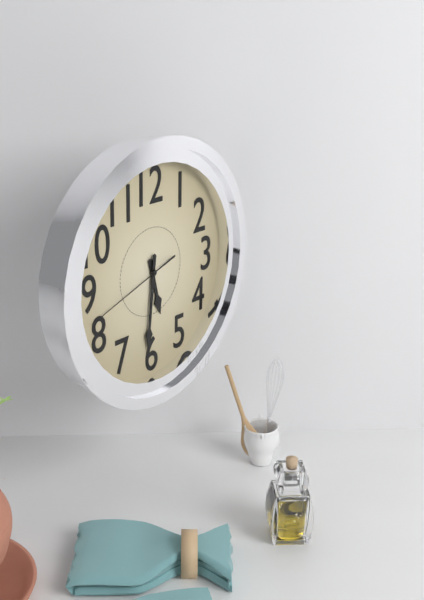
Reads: 5,31,42
